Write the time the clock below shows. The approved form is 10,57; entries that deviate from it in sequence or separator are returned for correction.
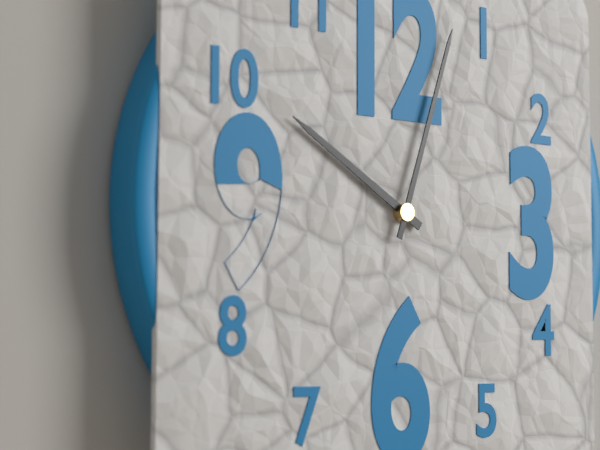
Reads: 10,03
